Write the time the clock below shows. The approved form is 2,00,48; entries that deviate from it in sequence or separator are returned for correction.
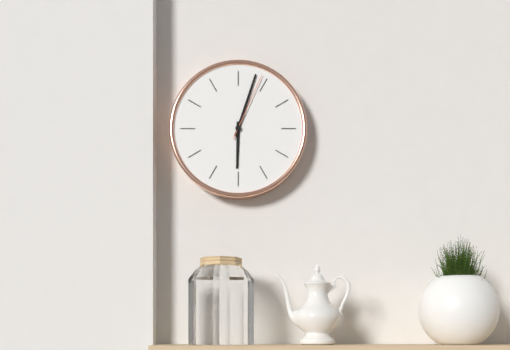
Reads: 6,03,04
